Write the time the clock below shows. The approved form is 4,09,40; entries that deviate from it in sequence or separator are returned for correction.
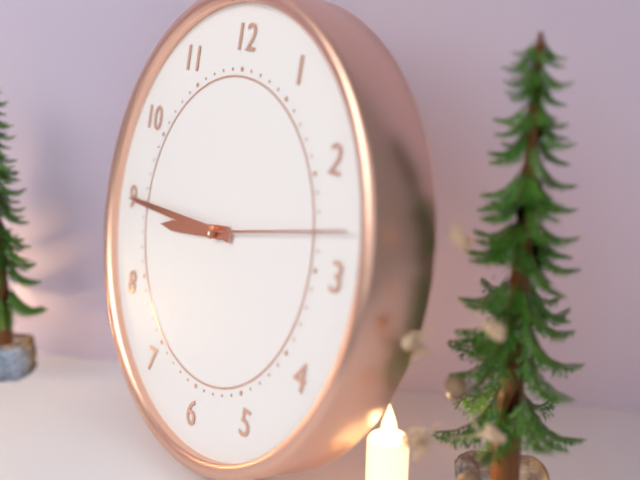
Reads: 8,45,13
